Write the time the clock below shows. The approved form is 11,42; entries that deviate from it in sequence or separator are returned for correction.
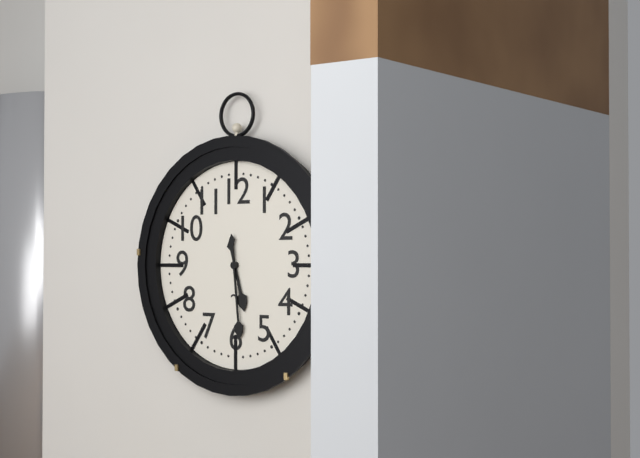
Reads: 5,29
